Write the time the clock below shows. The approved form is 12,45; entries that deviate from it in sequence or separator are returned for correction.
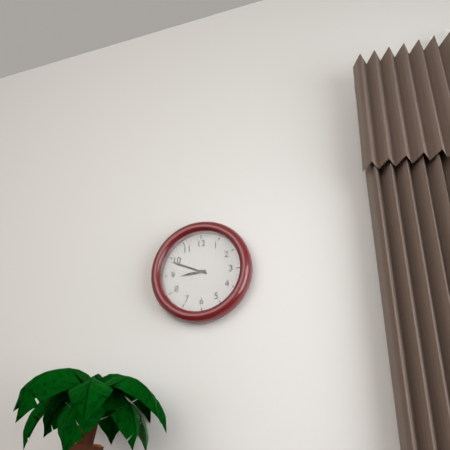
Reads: 8,49
